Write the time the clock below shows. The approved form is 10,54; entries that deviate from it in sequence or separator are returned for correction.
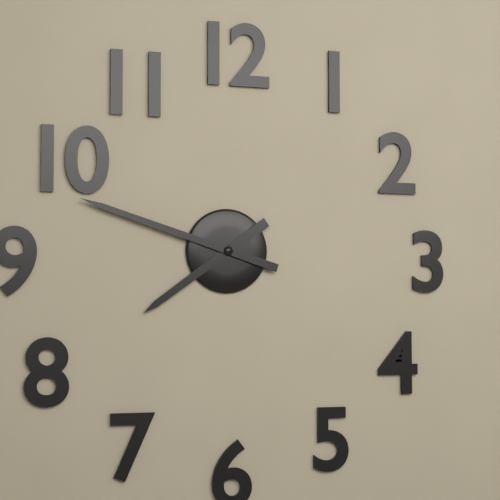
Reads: 7,48
